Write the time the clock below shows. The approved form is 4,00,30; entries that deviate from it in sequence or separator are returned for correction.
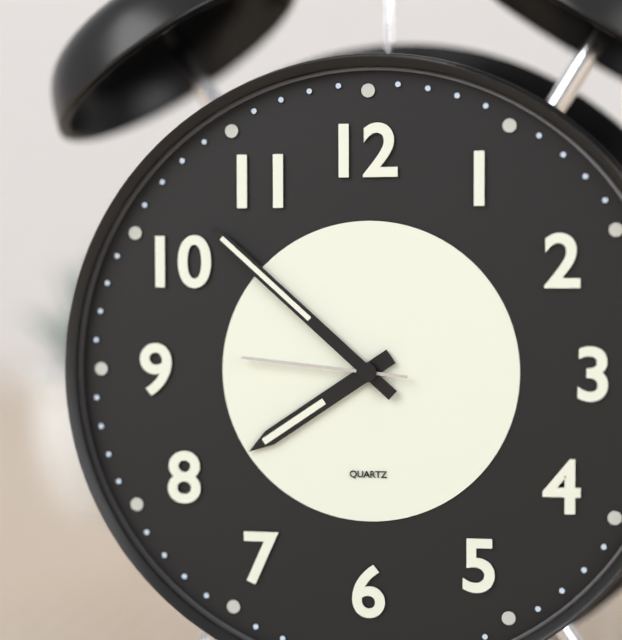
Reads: 7,52,46
